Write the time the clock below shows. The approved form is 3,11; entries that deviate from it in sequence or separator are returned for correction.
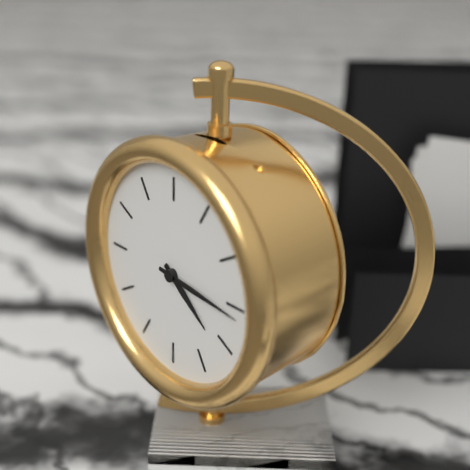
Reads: 4,16
